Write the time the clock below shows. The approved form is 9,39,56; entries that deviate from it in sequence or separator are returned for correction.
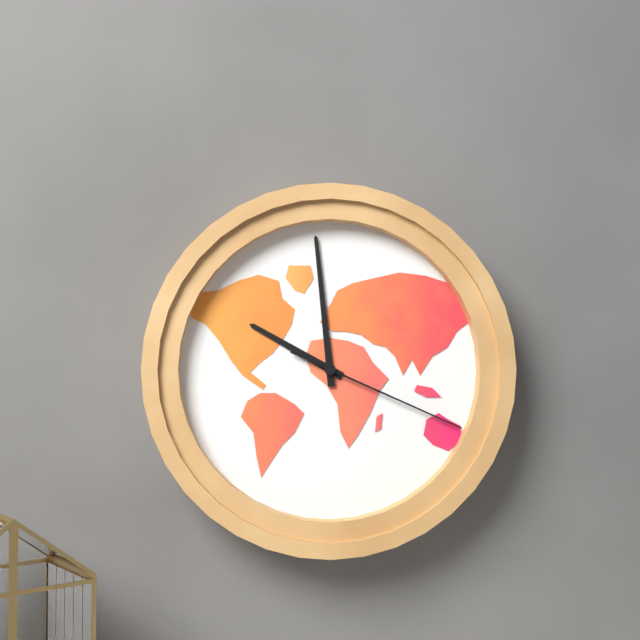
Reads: 9,59,19
